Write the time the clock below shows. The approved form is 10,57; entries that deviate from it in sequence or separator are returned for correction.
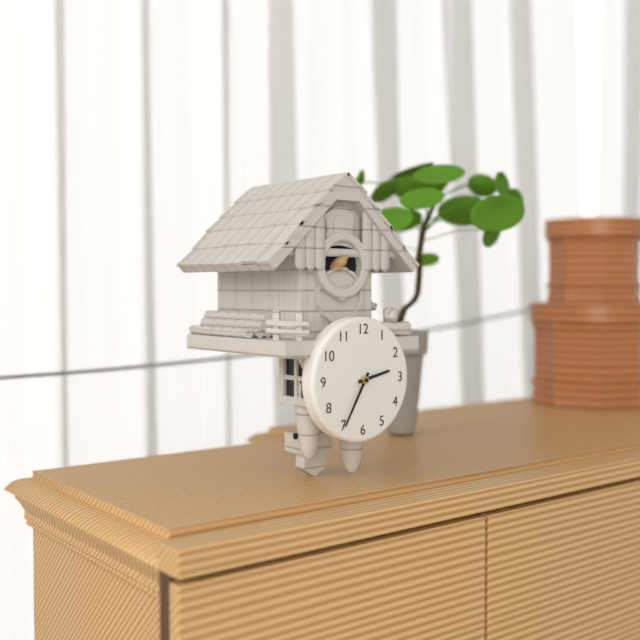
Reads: 2,35
